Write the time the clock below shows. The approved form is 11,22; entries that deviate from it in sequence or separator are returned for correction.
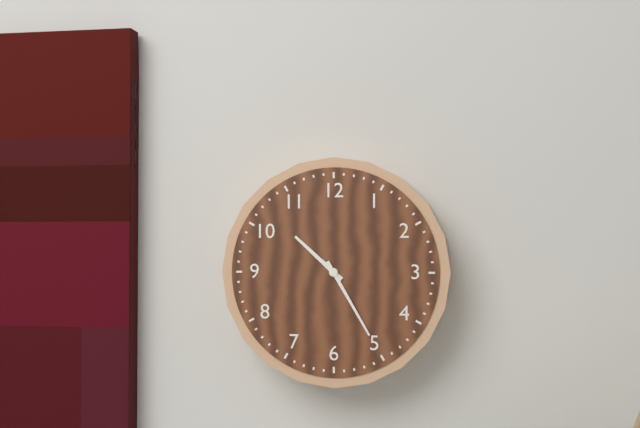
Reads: 10,25
